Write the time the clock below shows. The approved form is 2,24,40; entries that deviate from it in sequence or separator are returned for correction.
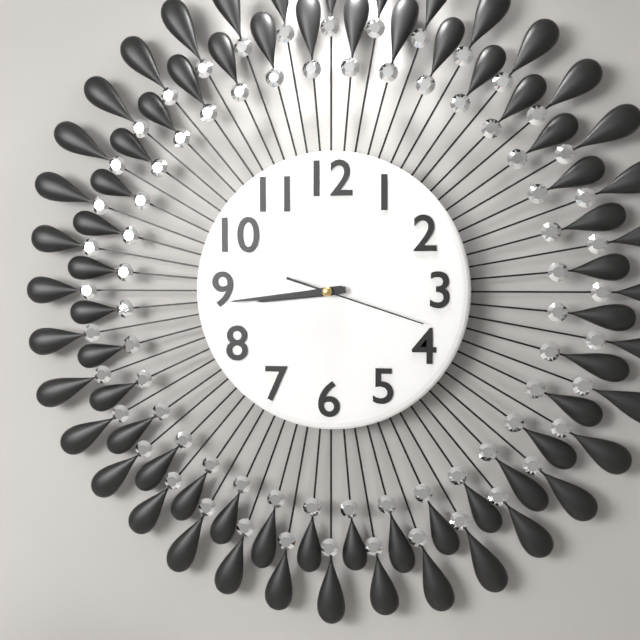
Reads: 8,44,18
